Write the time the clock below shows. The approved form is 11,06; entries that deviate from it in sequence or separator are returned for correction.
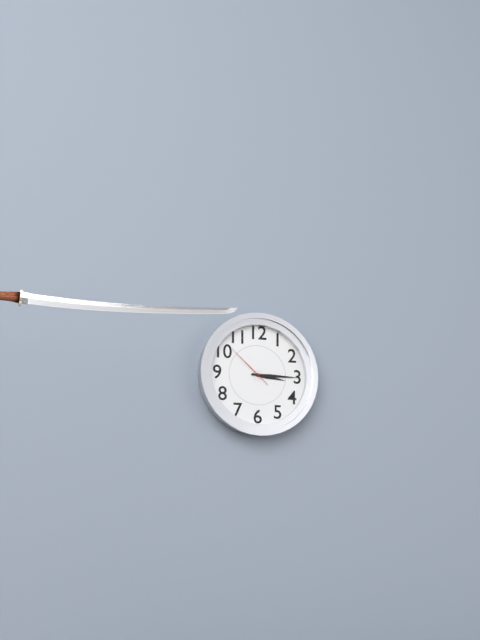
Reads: 3,15
